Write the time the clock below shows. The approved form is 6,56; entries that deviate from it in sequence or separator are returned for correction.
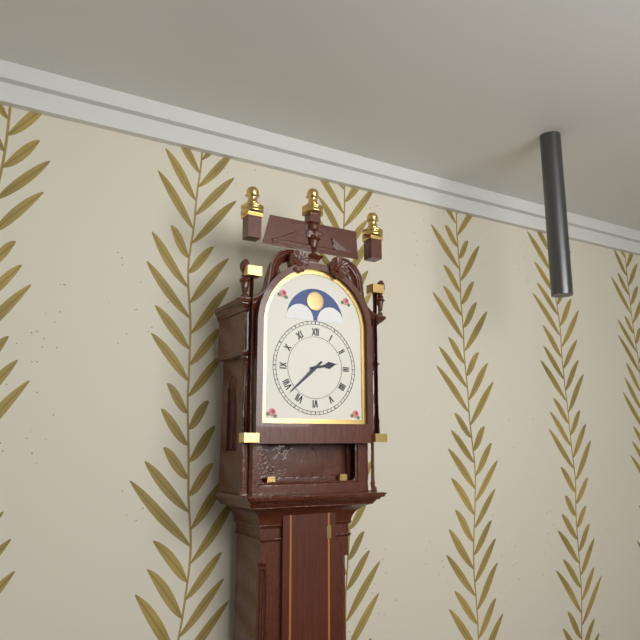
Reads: 2,38
